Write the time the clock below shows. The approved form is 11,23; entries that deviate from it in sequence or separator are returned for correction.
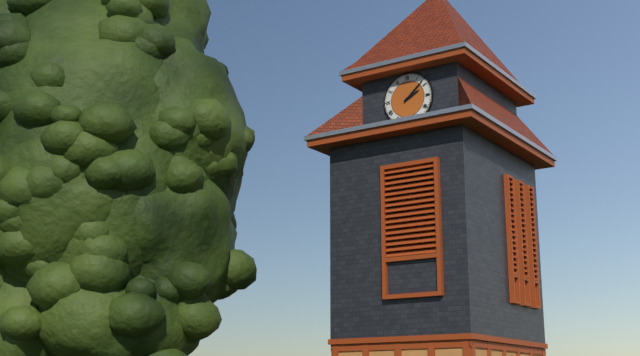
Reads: 2,08
